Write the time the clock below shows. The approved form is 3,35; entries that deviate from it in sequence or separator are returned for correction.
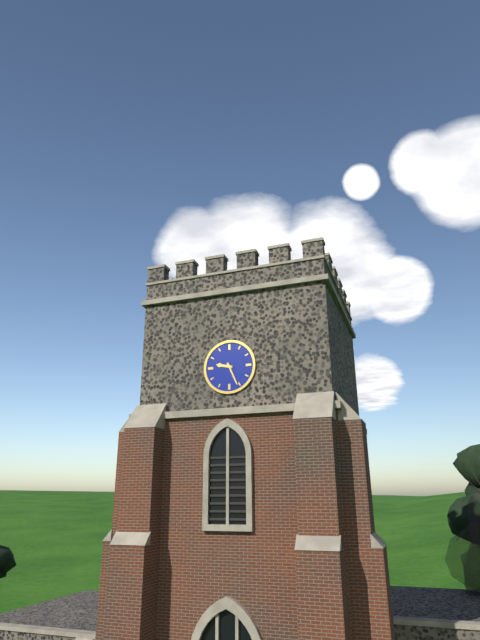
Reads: 9,26
